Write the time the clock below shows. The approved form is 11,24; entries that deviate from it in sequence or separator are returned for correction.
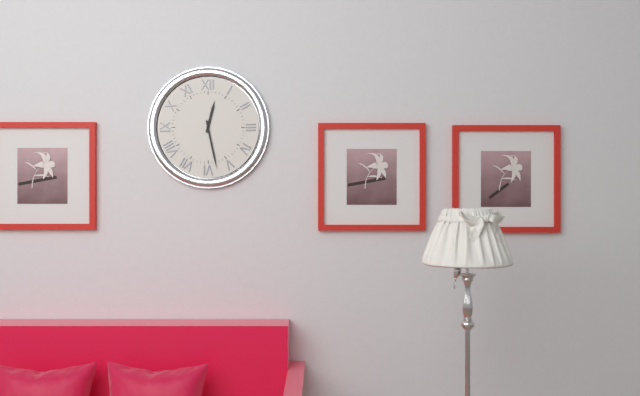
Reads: 12,28
